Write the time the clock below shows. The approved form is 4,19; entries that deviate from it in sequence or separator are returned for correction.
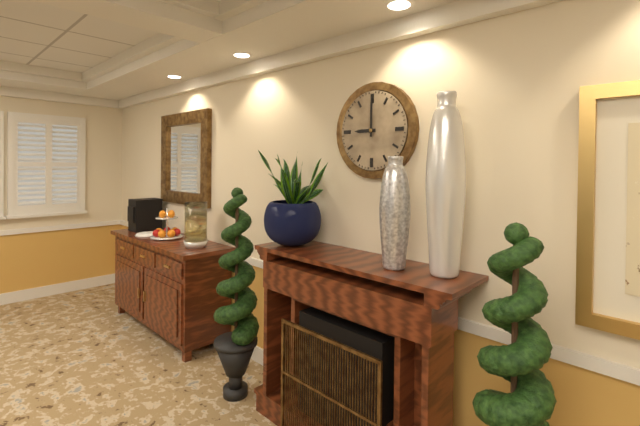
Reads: 9,00
